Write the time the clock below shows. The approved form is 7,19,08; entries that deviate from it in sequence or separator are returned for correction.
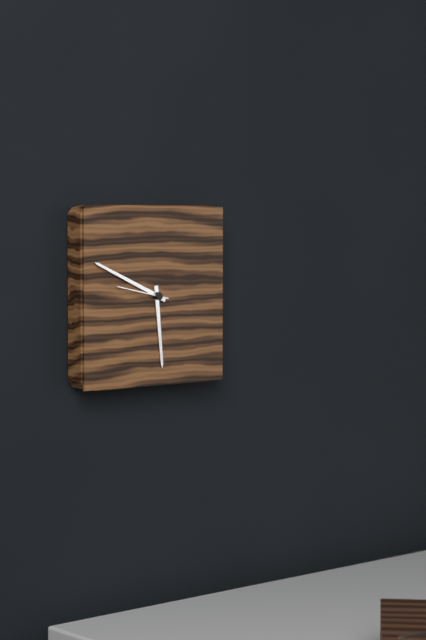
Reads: 5,49,47
